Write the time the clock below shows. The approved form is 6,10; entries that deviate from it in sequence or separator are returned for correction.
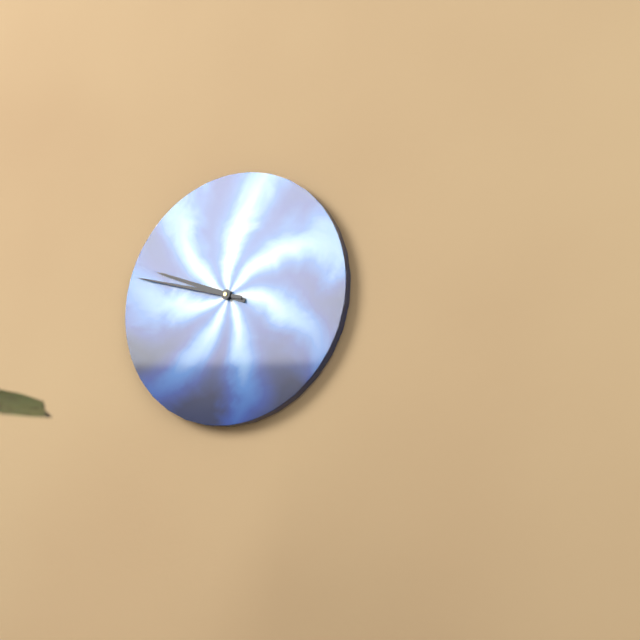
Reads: 9,48
